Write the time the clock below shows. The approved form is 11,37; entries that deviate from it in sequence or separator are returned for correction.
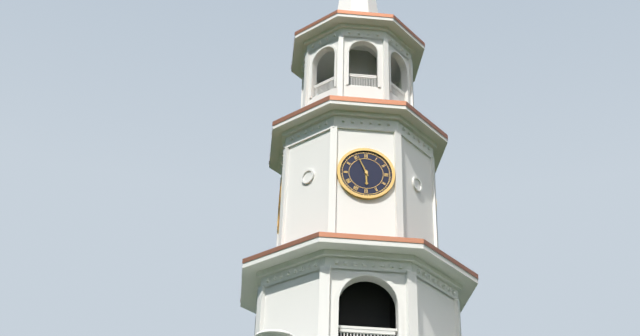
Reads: 5,56
